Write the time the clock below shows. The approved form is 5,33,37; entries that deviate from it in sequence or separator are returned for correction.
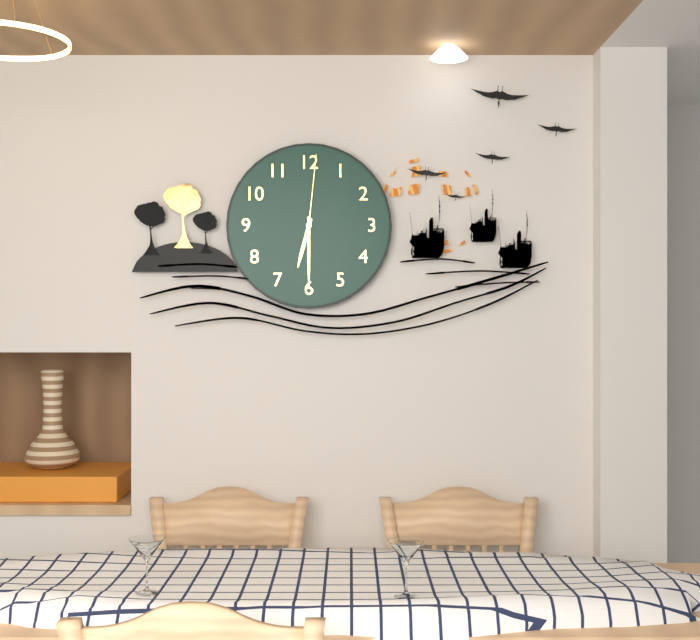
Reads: 6,30,01
